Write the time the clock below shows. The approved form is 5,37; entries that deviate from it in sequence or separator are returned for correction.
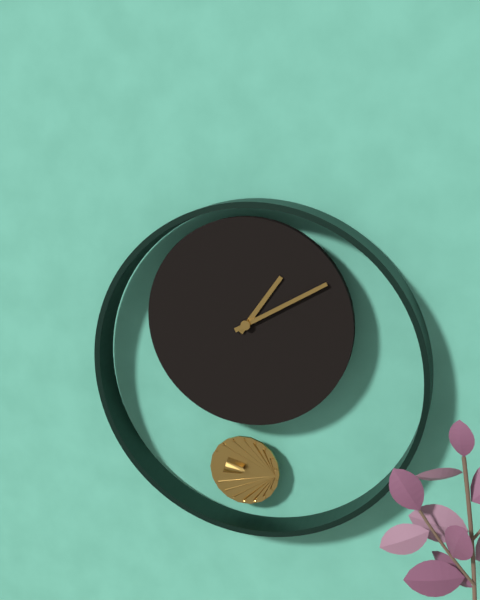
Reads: 1,10
